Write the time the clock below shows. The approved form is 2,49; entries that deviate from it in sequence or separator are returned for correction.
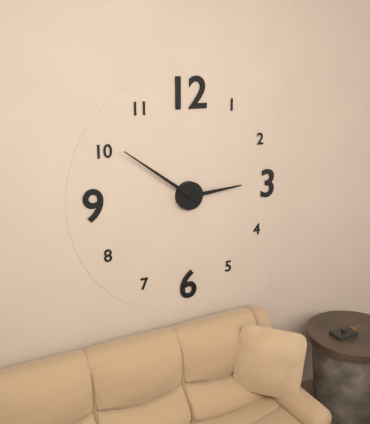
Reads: 2,51
